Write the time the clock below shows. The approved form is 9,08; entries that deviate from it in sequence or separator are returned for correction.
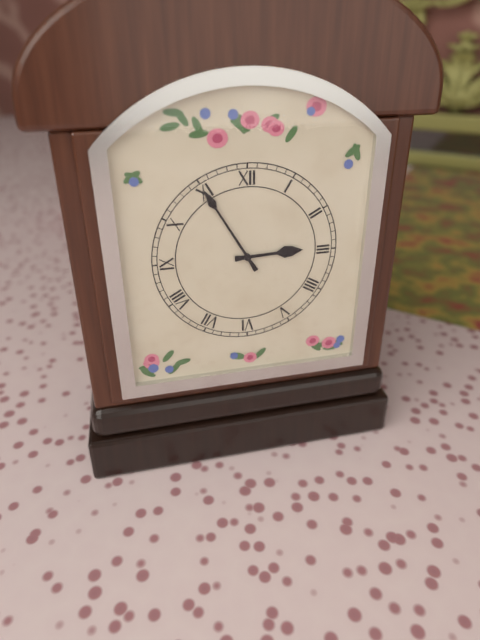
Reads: 2,55
